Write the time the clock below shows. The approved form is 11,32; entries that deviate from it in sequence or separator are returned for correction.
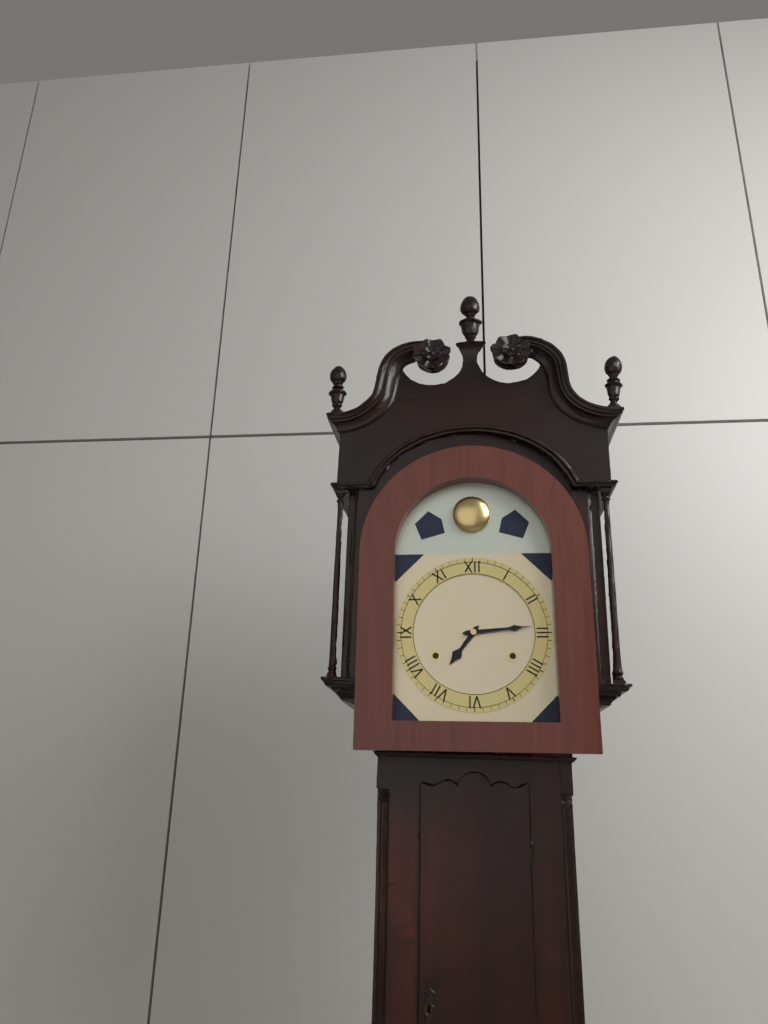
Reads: 7,14
